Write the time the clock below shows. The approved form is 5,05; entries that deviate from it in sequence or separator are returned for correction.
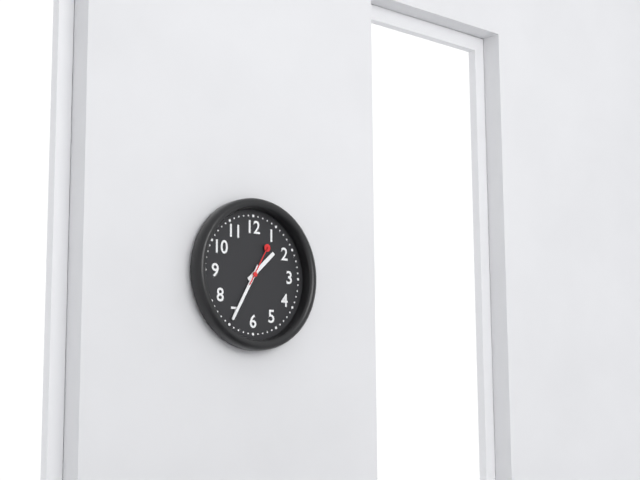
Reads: 1,35
